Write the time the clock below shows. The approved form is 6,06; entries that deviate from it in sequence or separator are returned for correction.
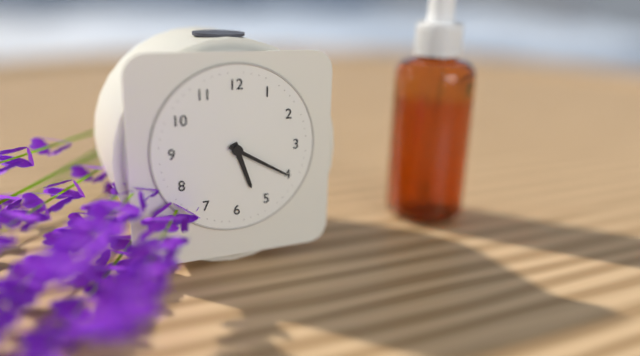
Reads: 5,20
